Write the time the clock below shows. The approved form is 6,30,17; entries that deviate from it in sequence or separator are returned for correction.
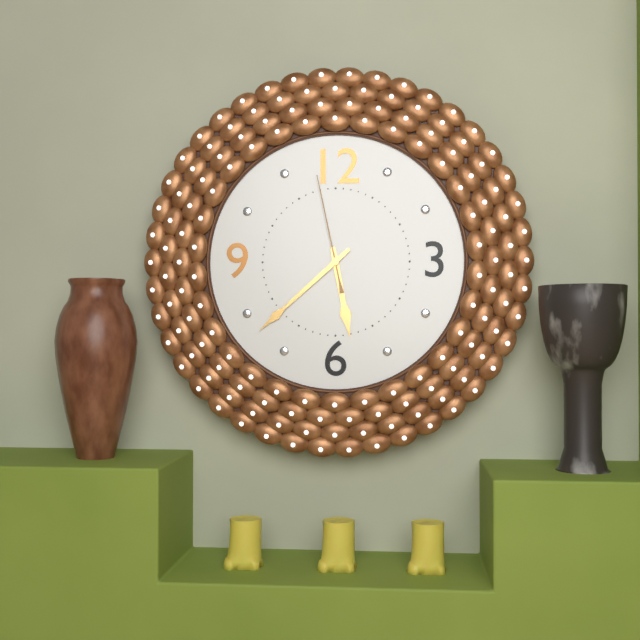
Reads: 5,38,58
